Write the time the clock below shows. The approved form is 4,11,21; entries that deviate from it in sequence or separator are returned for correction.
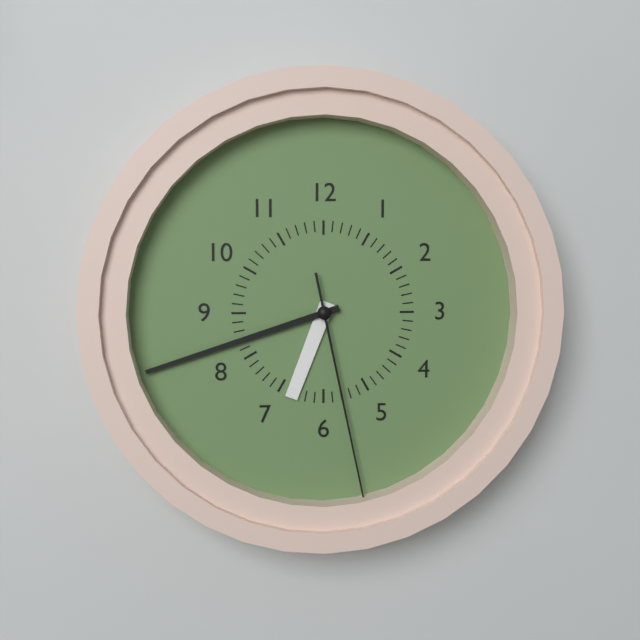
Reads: 6,42,28
